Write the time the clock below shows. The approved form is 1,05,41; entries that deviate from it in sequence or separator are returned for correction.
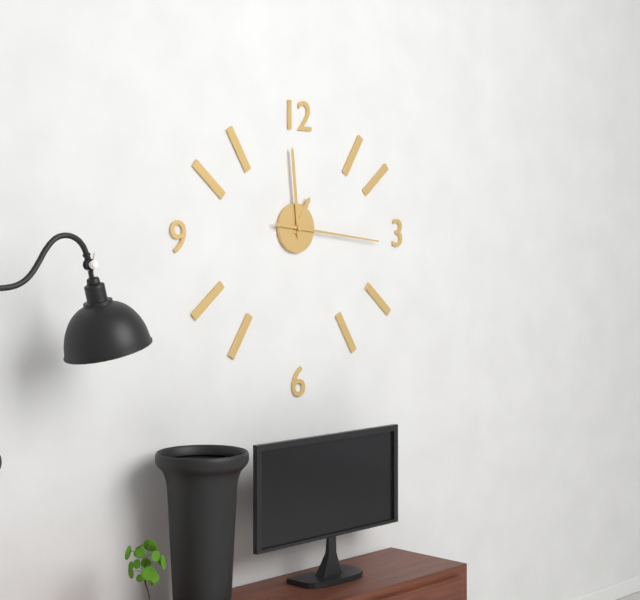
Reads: 12,59,16
